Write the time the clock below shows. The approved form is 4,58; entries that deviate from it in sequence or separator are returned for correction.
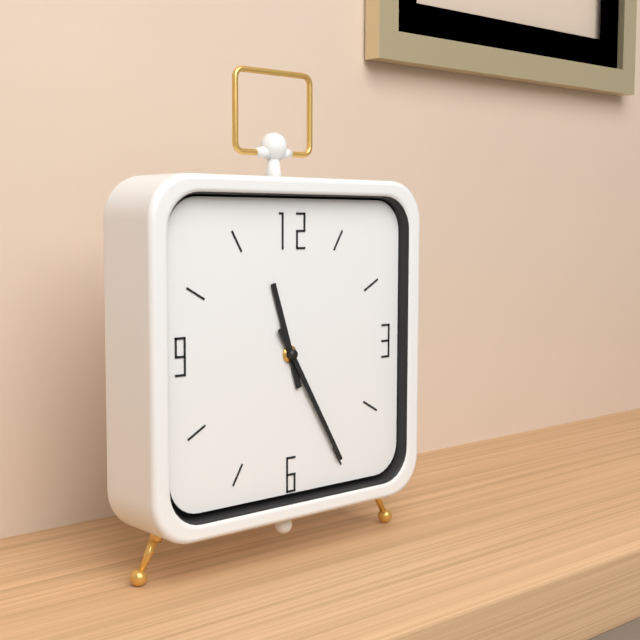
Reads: 11,25
